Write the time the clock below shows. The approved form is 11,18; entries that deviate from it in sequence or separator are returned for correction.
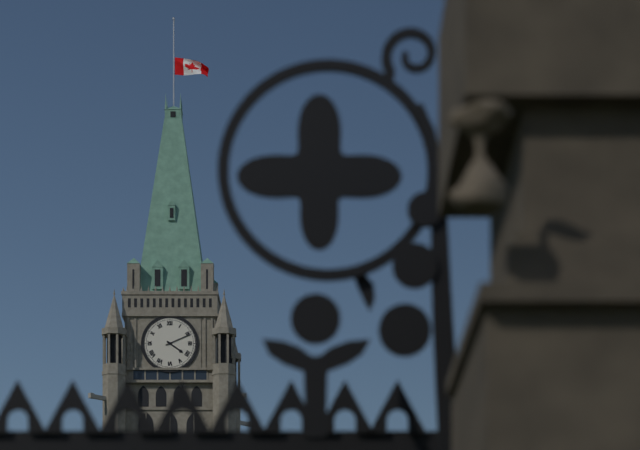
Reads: 4,11
